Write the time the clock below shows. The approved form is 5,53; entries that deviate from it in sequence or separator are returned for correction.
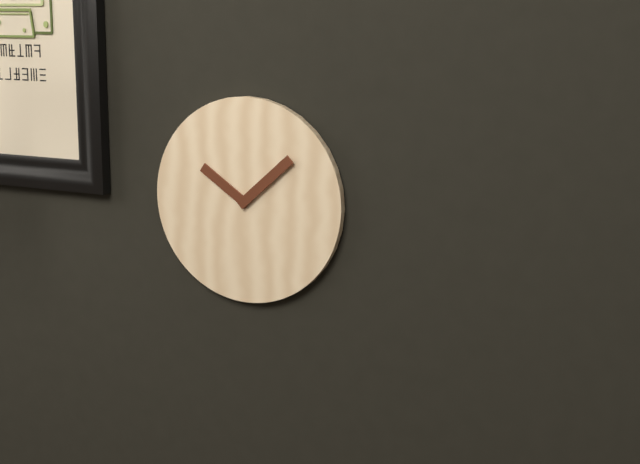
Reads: 10,08
